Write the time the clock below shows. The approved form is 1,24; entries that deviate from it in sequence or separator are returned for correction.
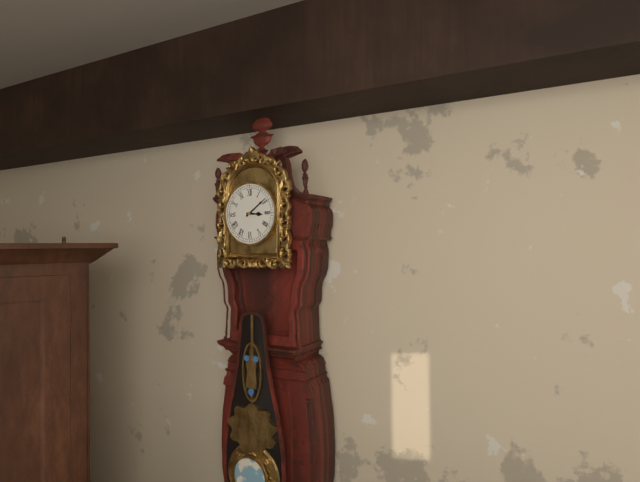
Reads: 3,09
